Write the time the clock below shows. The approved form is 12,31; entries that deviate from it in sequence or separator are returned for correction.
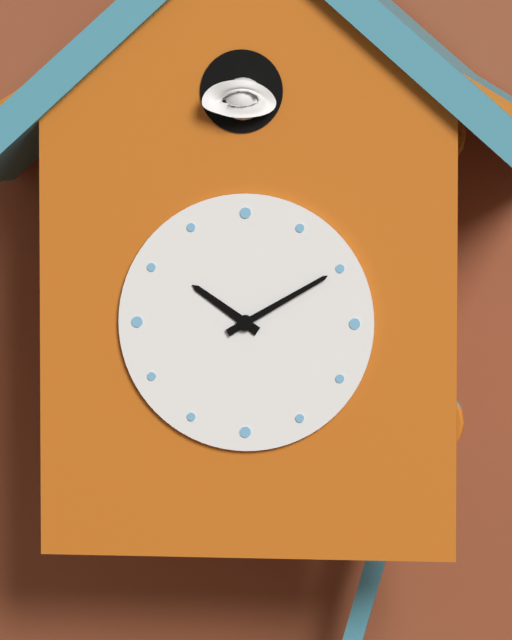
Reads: 10,10
